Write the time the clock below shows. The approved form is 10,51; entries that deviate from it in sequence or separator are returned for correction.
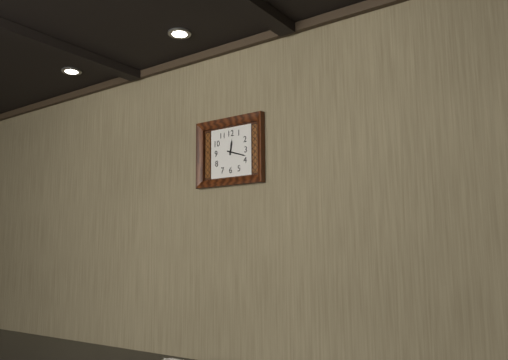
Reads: 12,18
